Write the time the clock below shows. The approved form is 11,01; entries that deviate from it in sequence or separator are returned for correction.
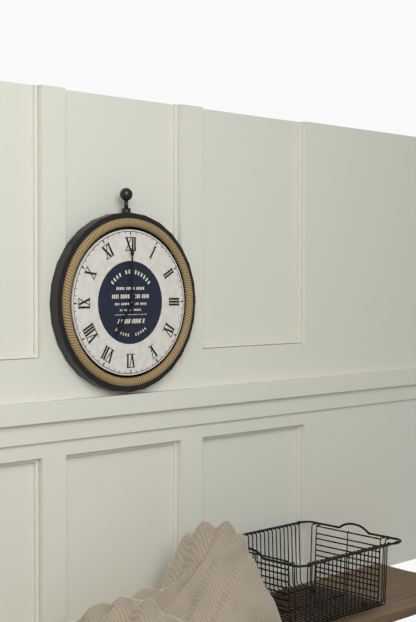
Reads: 7,00
